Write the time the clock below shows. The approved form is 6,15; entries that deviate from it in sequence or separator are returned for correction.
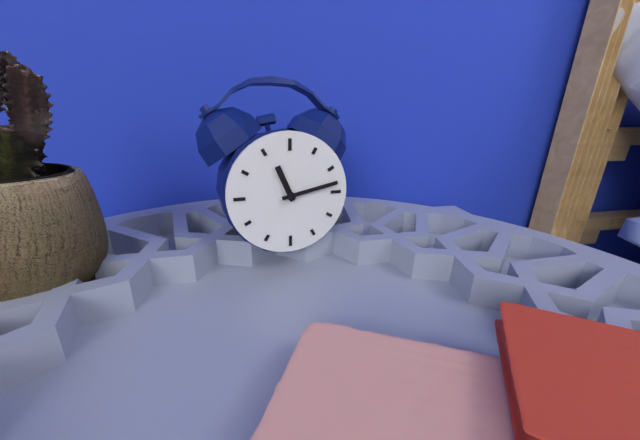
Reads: 11,13
